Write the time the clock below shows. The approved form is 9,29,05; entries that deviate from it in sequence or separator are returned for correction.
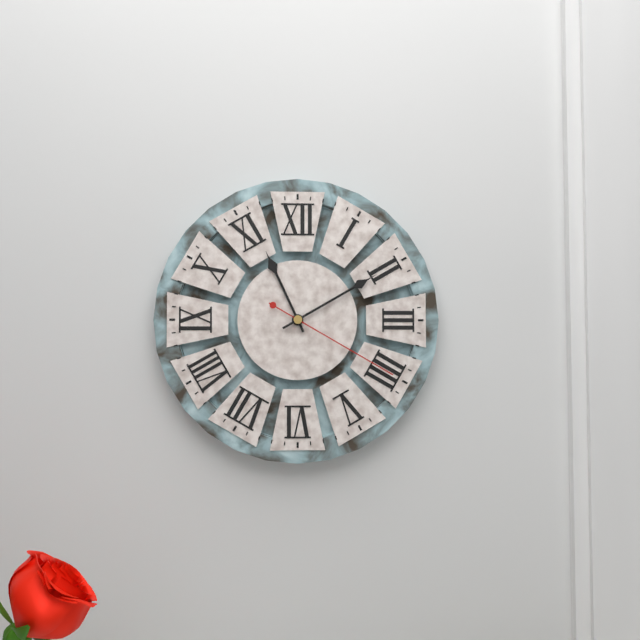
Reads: 11,10,20
